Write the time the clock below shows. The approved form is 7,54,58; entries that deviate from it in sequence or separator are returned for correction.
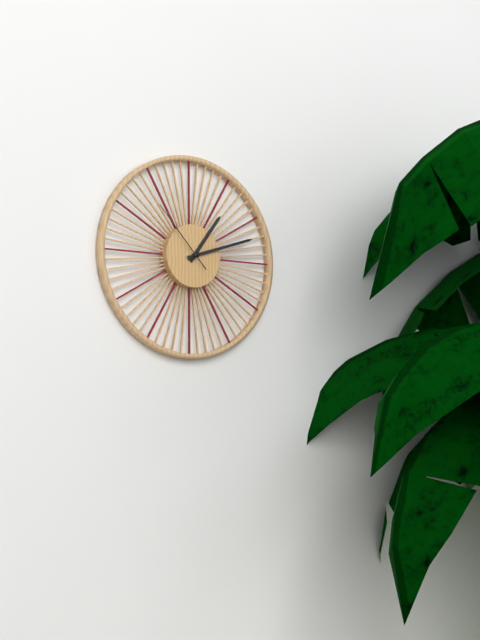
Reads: 1,12,53
